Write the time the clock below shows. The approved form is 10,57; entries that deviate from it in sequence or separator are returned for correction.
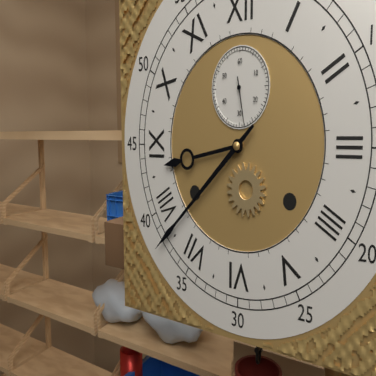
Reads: 8,38
